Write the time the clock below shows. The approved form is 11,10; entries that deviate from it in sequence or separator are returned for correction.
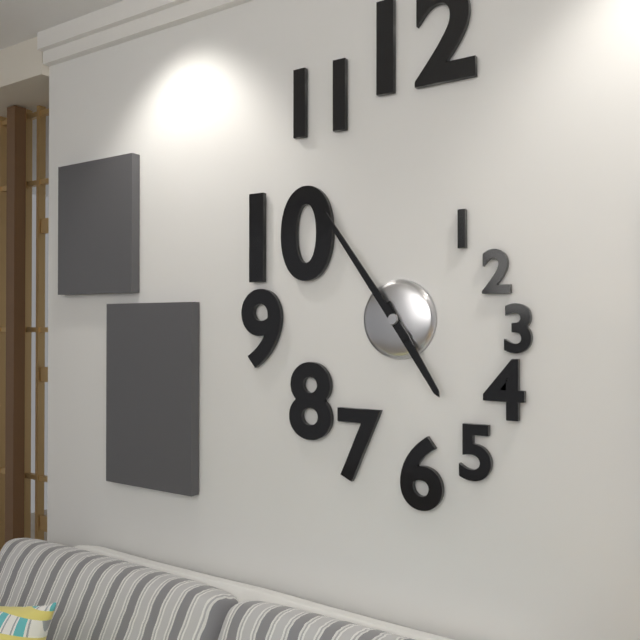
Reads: 4,54
